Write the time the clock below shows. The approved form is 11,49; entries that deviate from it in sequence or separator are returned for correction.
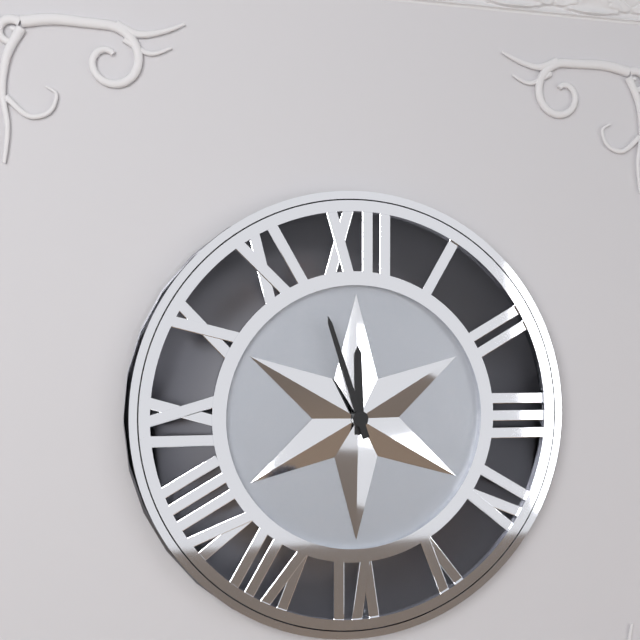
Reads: 11,57
